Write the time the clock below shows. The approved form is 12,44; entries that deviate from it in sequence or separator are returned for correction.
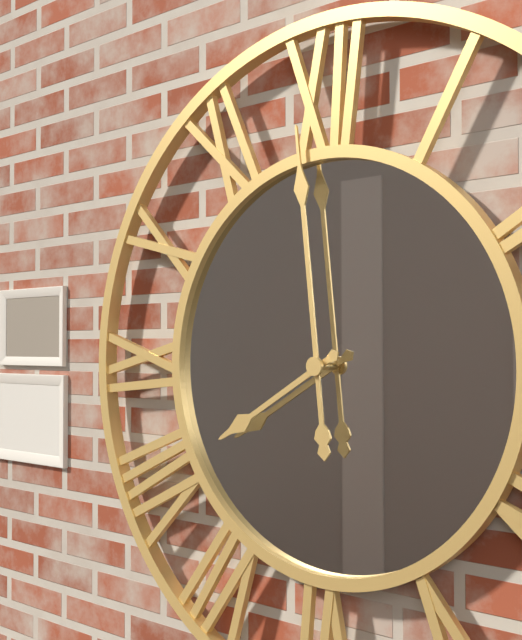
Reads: 7,59
